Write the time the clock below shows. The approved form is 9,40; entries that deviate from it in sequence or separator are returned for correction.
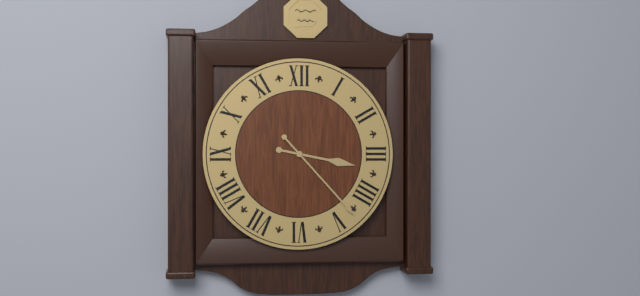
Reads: 3,23
